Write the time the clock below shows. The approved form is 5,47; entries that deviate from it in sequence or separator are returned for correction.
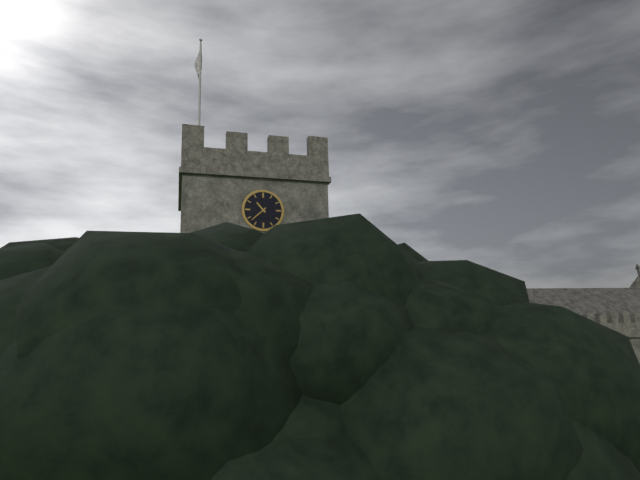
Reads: 10,38
